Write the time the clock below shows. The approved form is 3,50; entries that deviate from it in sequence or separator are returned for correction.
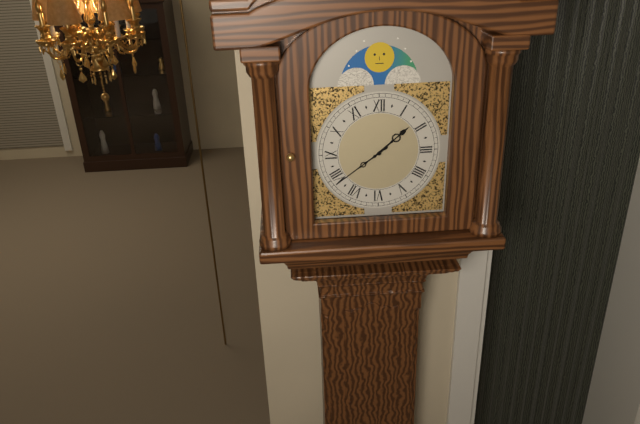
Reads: 1,39
